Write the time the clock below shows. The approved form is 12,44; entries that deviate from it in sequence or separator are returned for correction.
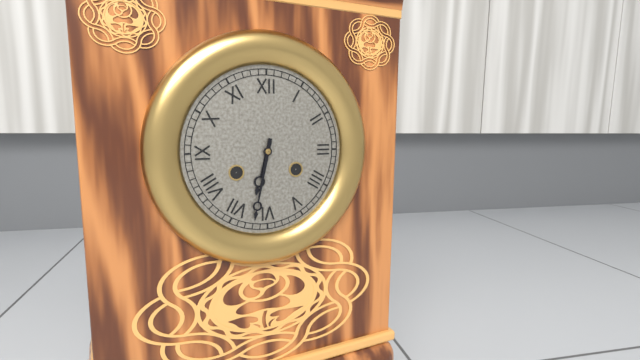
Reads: 6,32
